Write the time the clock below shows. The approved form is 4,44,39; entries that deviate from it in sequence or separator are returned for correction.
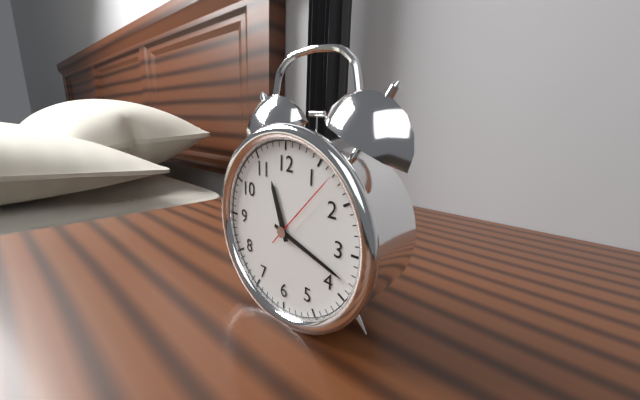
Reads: 11,18,07
